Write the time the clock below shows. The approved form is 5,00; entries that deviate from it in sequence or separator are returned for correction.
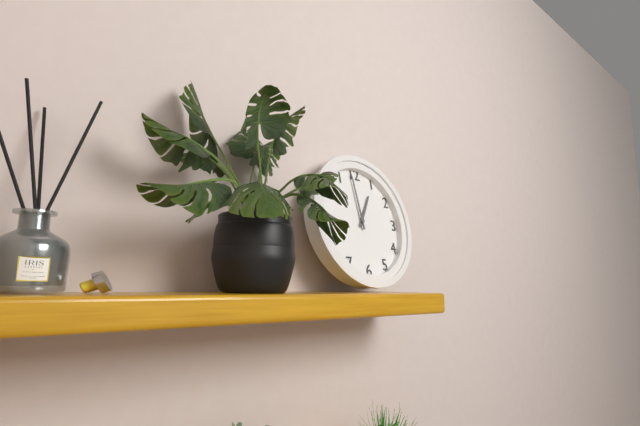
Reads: 12,59
